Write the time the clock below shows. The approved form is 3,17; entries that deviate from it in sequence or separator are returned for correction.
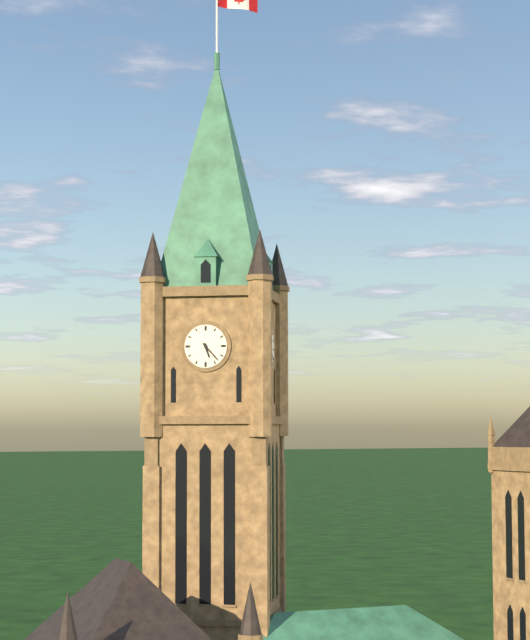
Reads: 5,23
